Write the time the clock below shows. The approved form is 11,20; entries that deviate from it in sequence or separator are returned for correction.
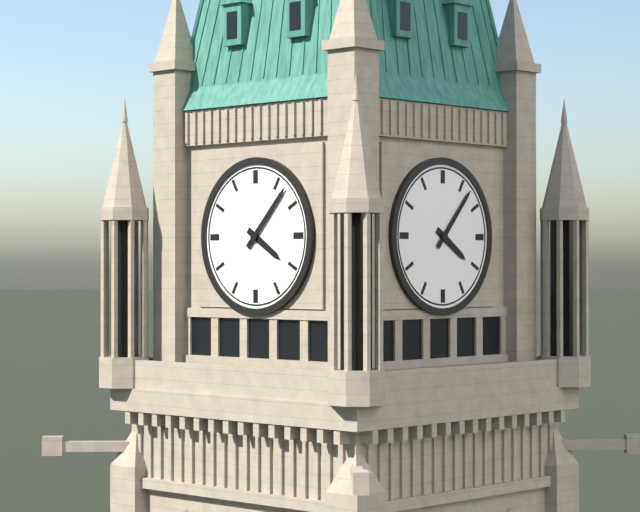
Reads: 4,07
